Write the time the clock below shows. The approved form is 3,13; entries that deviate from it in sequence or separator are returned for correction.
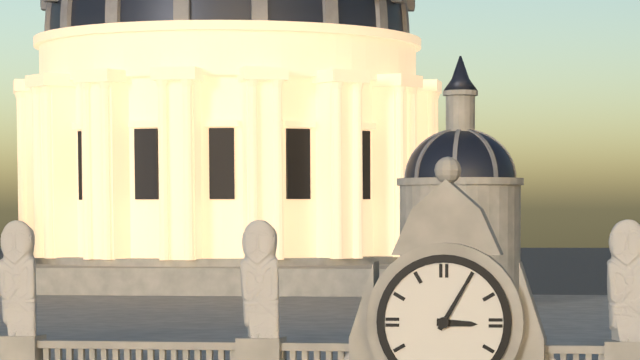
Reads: 3,05
